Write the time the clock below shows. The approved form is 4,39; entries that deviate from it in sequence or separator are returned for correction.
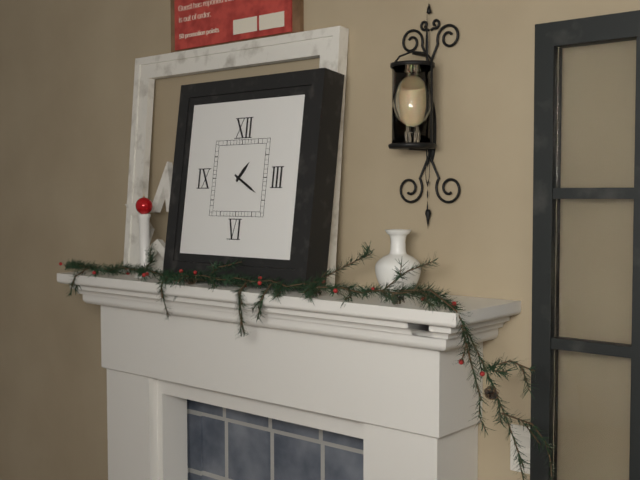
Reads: 1,20
